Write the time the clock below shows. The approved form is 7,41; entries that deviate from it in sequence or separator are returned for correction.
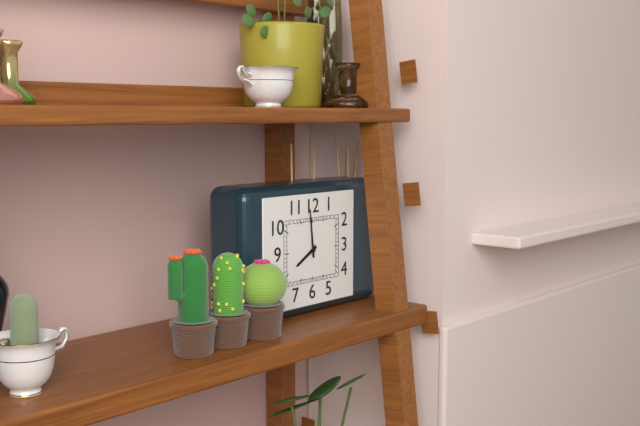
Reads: 7,59
